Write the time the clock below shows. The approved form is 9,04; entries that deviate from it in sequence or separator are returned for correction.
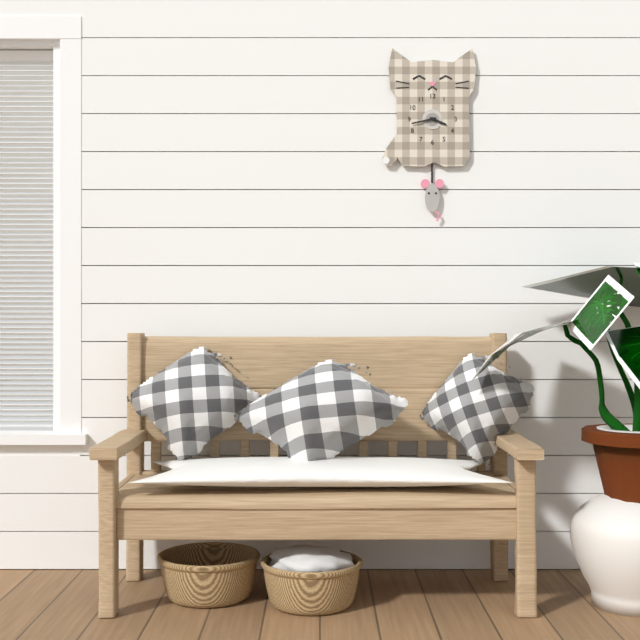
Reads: 3,43
